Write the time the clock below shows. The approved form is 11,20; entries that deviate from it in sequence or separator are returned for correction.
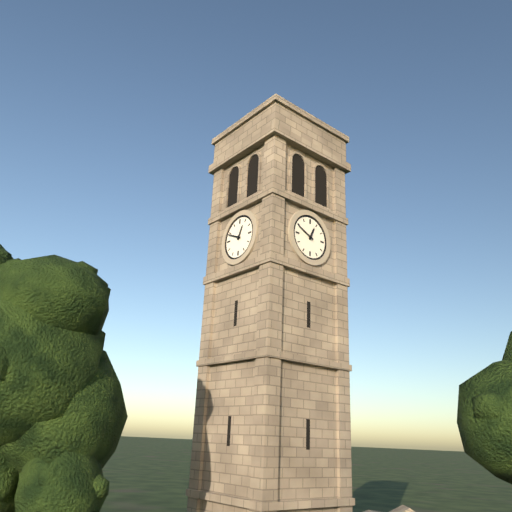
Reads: 12,49
